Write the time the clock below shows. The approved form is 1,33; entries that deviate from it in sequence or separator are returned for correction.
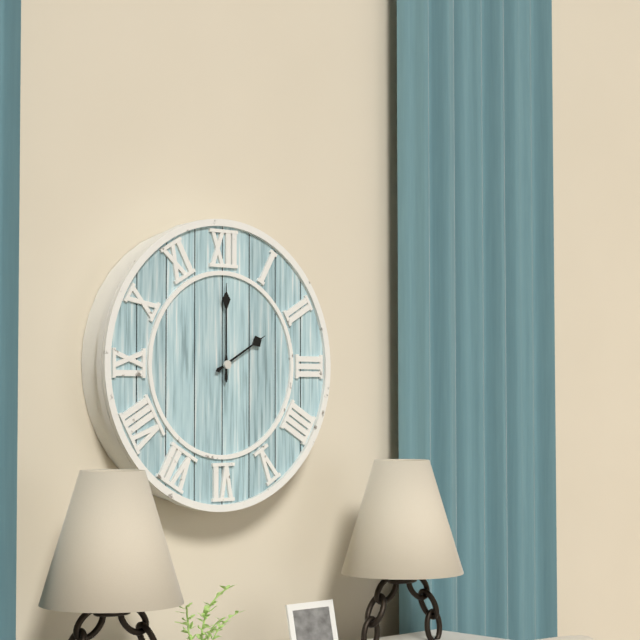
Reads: 2,00
